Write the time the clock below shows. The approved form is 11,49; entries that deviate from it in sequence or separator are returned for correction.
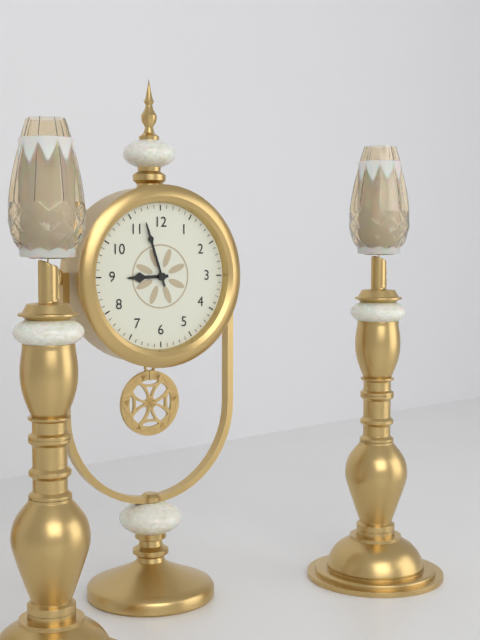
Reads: 8,57
